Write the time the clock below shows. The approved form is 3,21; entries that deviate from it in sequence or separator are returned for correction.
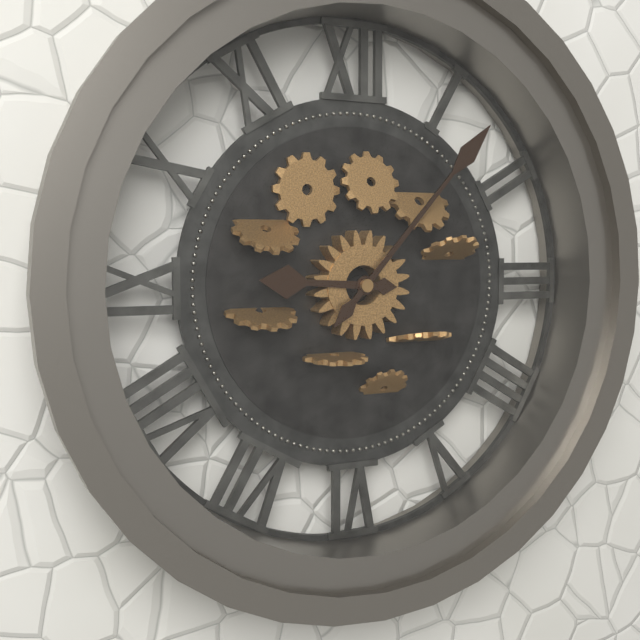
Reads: 9,07
